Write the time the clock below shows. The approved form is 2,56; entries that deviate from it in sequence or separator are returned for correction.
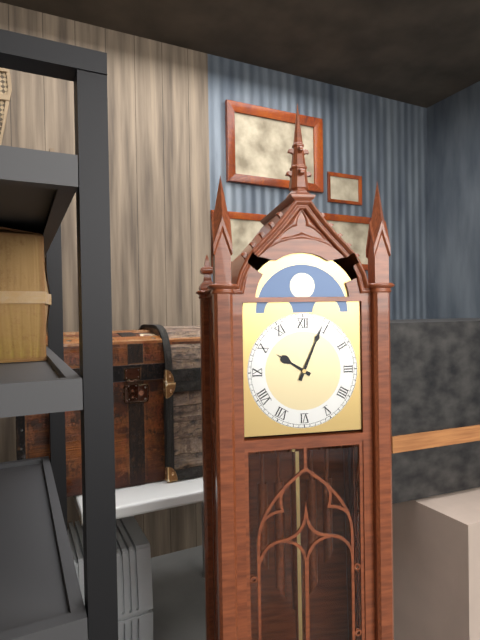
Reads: 10,04
